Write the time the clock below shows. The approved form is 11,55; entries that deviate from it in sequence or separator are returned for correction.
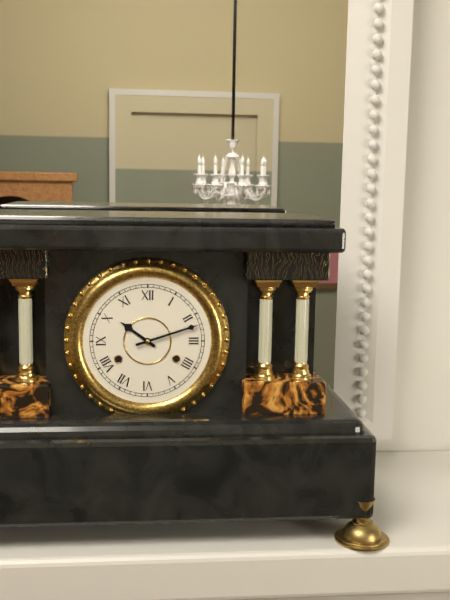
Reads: 10,12
